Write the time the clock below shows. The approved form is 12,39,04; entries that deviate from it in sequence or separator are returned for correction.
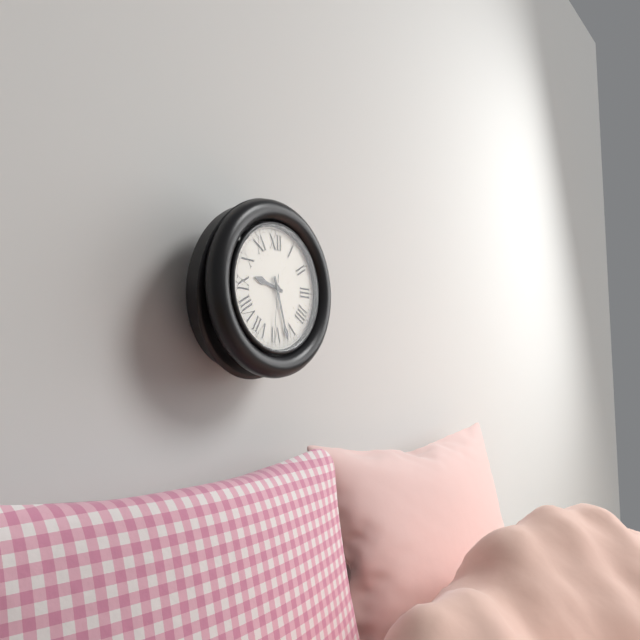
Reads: 9,27,31
